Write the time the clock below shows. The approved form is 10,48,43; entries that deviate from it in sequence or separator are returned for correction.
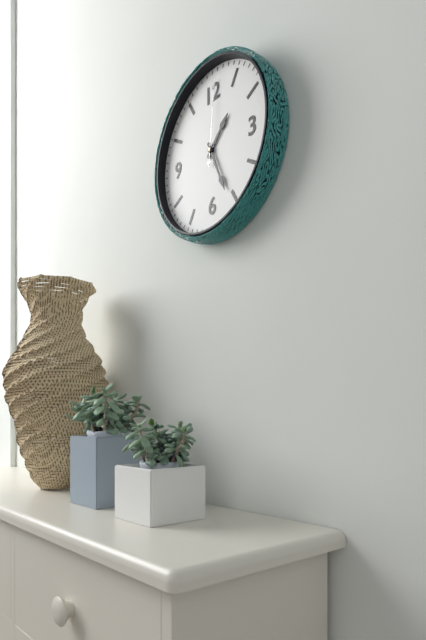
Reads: 1,26,01
